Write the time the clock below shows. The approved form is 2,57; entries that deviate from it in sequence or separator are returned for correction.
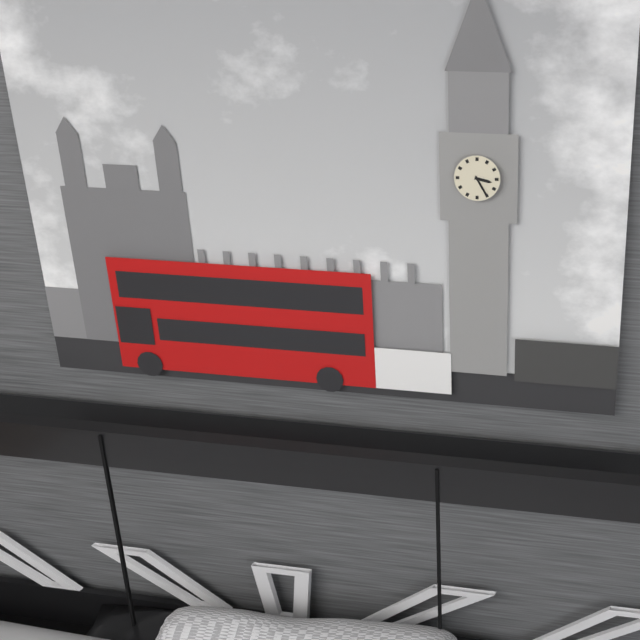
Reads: 3,25
